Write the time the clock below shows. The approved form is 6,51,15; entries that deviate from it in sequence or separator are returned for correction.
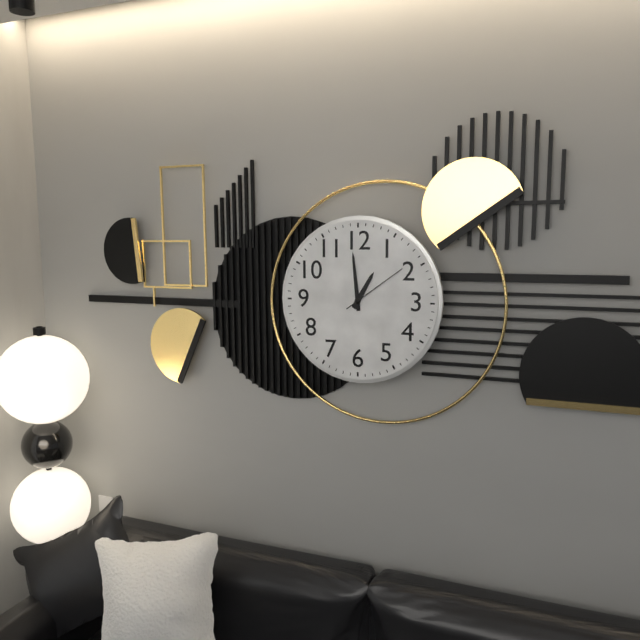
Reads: 12,59,09
